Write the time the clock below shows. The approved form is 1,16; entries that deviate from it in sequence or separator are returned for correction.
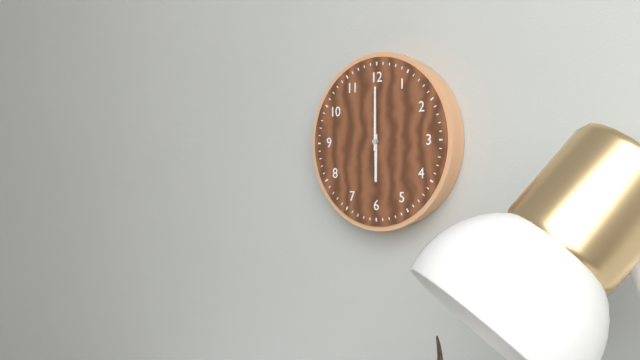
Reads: 6,00
